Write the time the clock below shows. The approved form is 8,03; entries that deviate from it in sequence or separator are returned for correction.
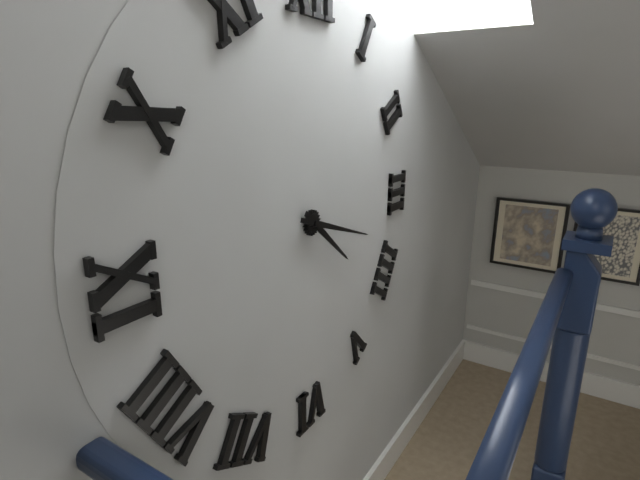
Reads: 4,18
